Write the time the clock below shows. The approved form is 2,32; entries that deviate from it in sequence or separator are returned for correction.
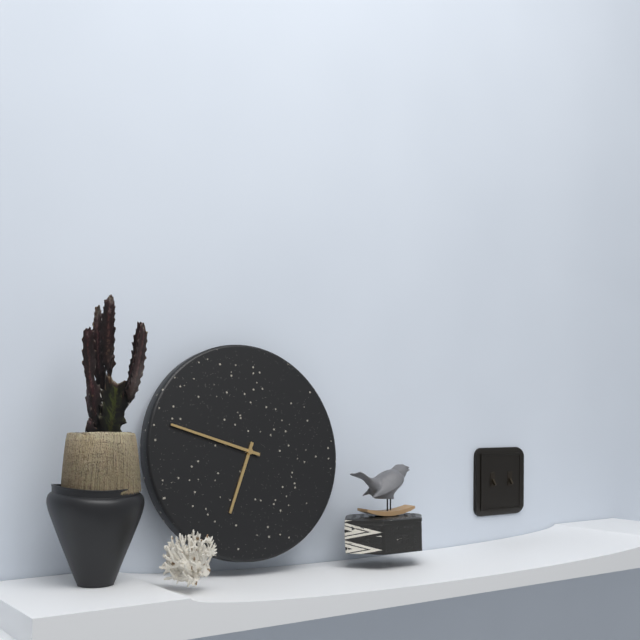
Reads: 6,48
